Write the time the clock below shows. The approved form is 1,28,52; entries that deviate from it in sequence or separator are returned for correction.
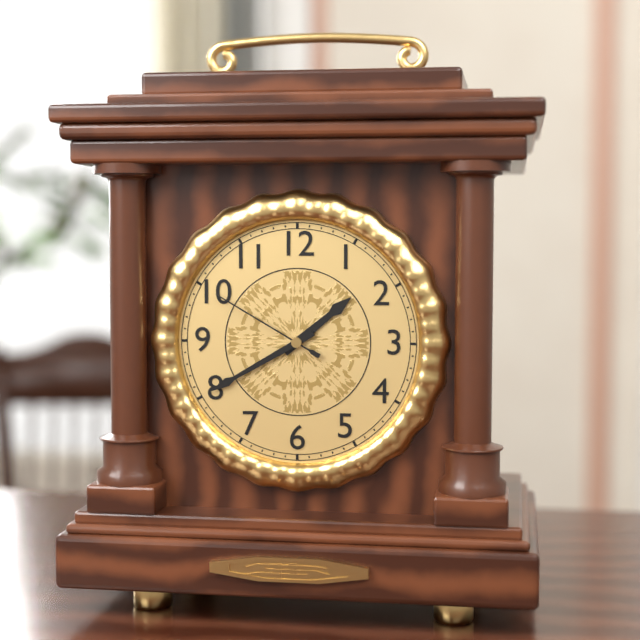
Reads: 1,40,50
